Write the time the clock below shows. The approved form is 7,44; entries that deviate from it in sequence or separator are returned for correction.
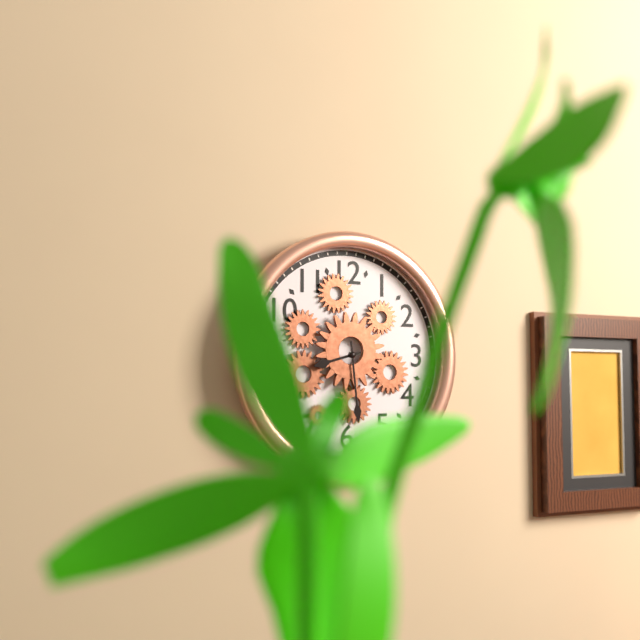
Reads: 8,29
